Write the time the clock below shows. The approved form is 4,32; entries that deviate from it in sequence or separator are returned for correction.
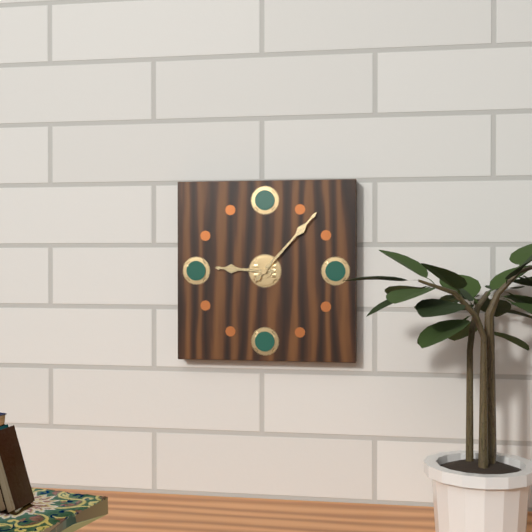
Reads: 9,07
